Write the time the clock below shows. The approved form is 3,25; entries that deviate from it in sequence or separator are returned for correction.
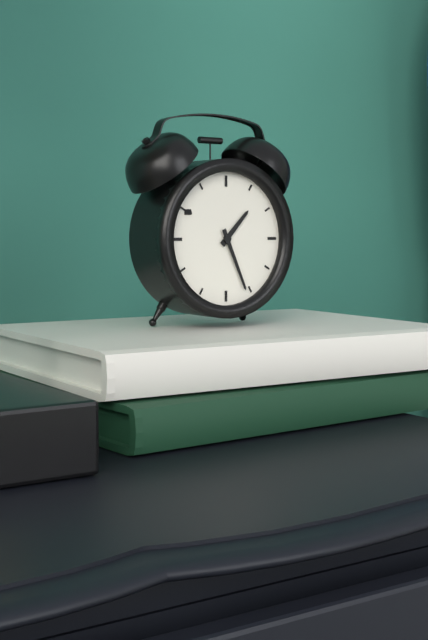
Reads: 1,26
